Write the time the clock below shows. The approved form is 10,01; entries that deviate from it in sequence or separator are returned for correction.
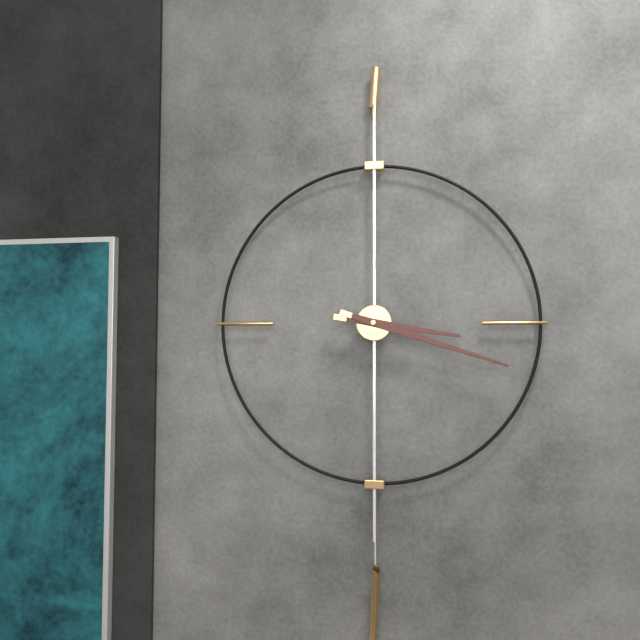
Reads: 3,18
